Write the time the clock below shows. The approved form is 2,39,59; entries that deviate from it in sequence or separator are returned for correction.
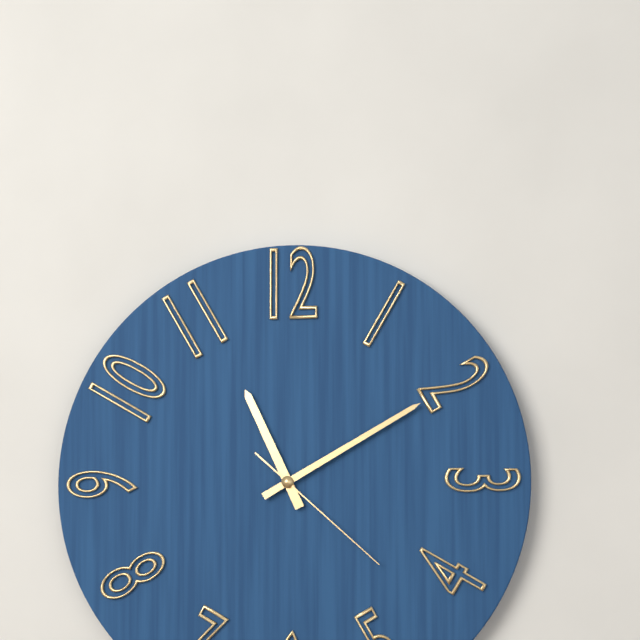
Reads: 11,10,22
